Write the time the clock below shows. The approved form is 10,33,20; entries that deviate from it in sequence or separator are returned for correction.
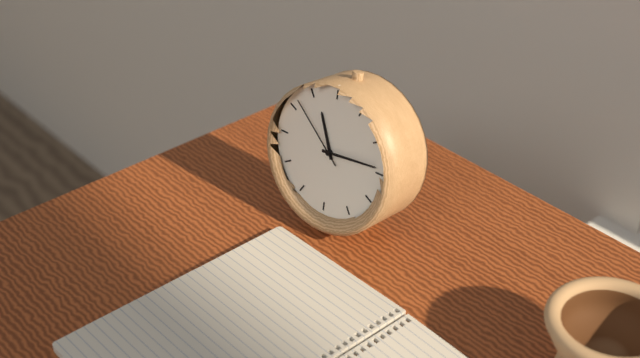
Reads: 11,14,52
